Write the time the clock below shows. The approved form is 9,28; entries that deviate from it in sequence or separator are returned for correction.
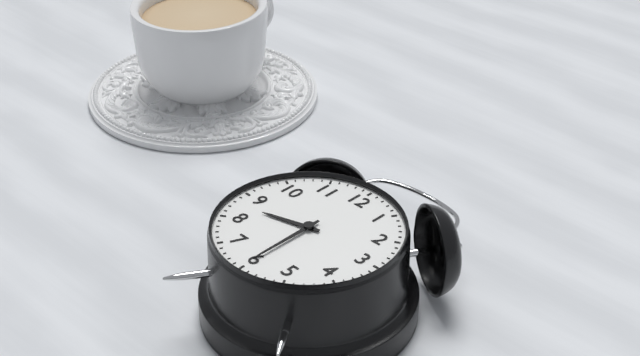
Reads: 8,30
